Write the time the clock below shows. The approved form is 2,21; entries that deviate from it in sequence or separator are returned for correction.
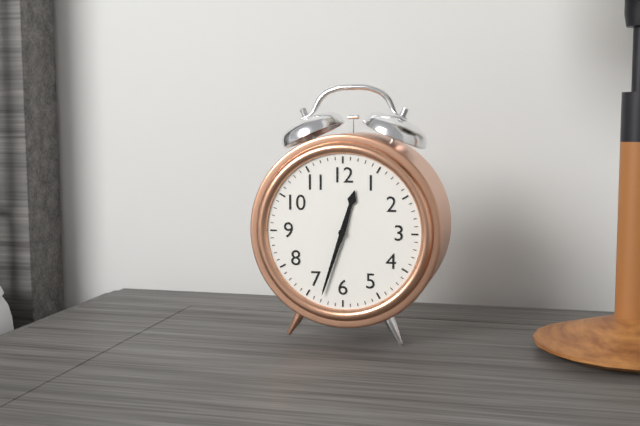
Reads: 12,33
